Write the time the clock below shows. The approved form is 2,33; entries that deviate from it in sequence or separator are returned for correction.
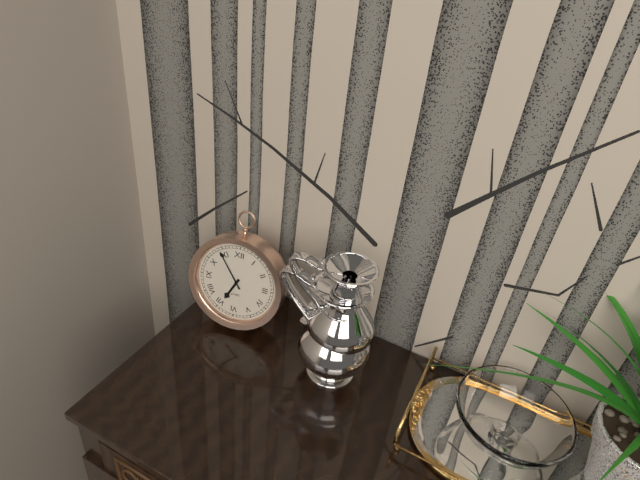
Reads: 6,54
